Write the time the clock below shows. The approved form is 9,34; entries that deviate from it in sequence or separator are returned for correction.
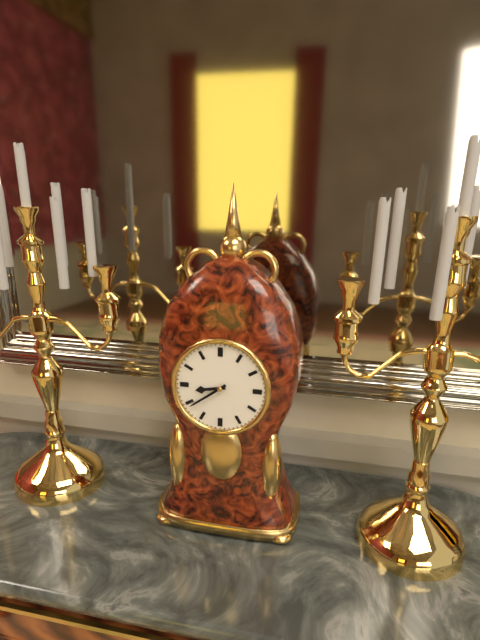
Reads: 8,39
